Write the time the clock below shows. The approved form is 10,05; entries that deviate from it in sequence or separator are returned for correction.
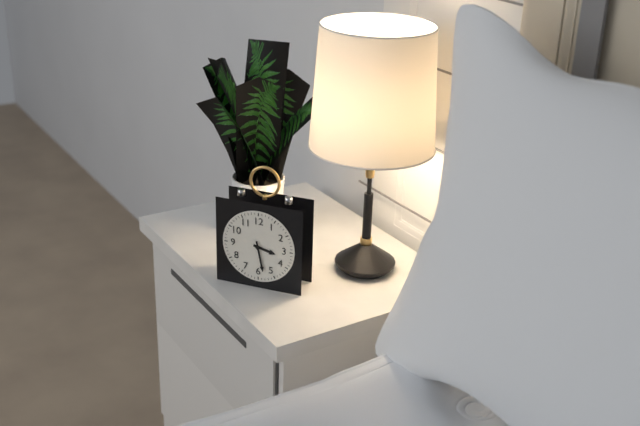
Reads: 3,28
